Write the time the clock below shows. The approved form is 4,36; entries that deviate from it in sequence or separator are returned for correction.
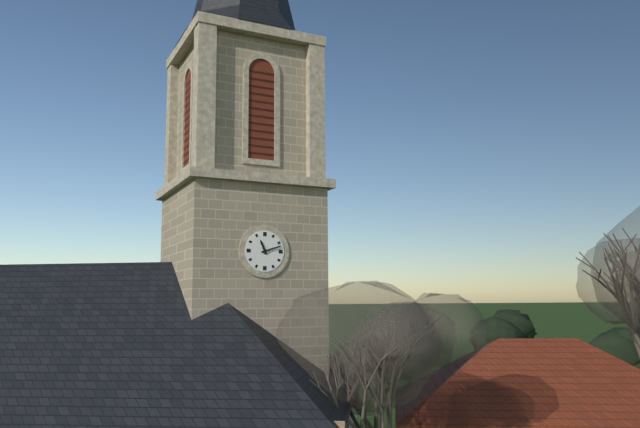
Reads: 11,12
